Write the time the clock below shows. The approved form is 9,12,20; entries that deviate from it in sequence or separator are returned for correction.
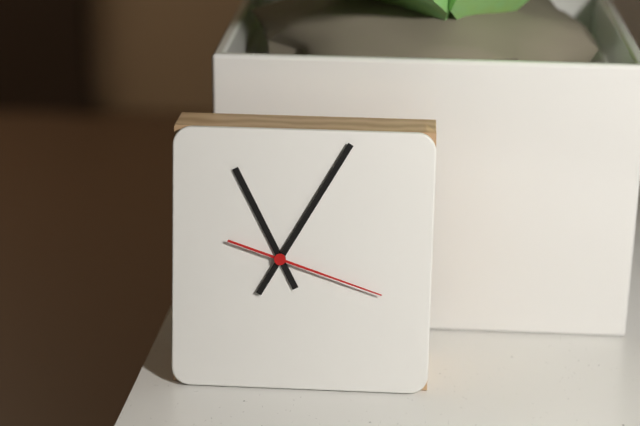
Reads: 11,05,18
